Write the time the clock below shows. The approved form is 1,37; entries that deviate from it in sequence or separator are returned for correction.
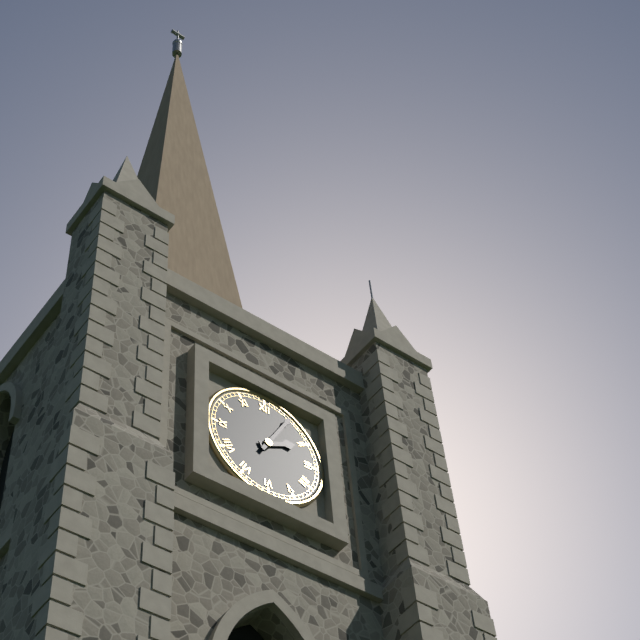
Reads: 2,05
